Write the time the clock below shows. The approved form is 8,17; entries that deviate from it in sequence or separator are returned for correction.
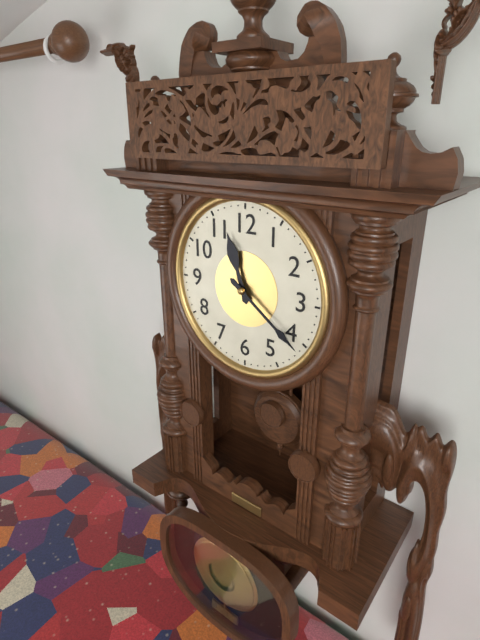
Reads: 11,21
